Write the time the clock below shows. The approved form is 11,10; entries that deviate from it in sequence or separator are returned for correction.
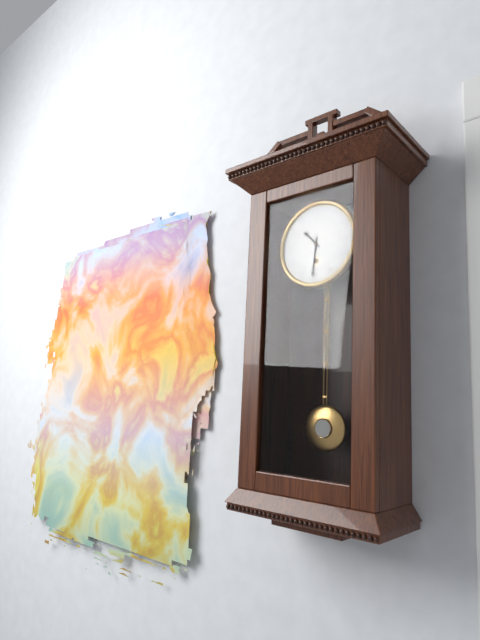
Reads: 10,31
